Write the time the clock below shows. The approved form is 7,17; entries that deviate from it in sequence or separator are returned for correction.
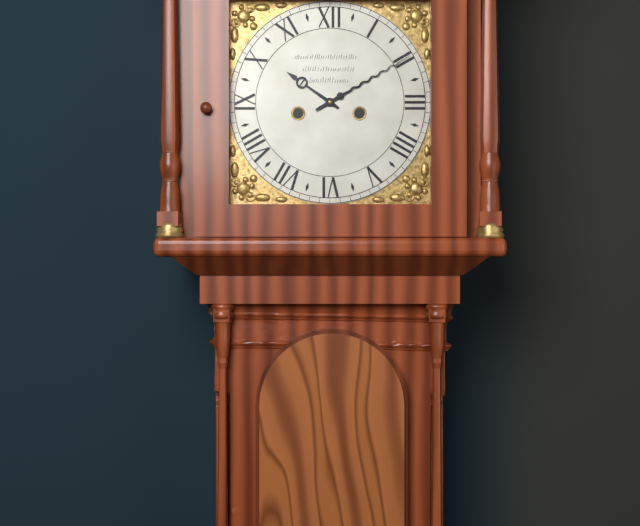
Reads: 10,10
